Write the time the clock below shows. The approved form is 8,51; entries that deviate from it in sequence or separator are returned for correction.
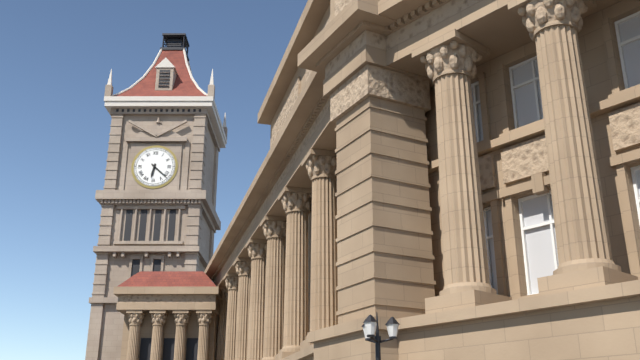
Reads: 6,22
